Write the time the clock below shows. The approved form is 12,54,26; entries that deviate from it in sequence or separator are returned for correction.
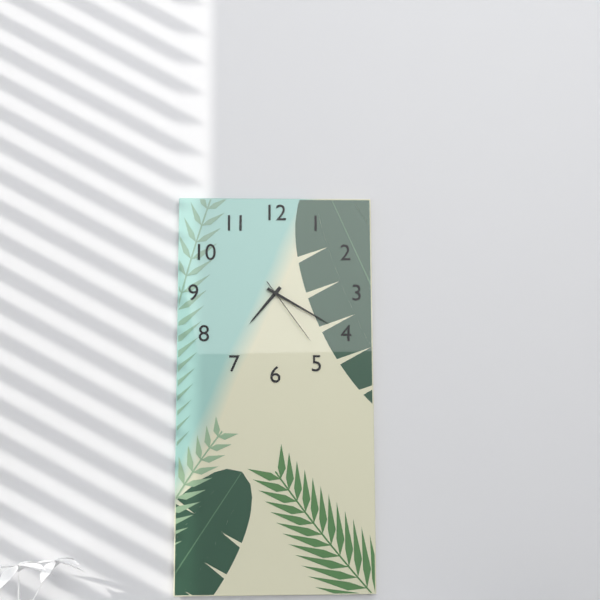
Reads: 7,20,24
